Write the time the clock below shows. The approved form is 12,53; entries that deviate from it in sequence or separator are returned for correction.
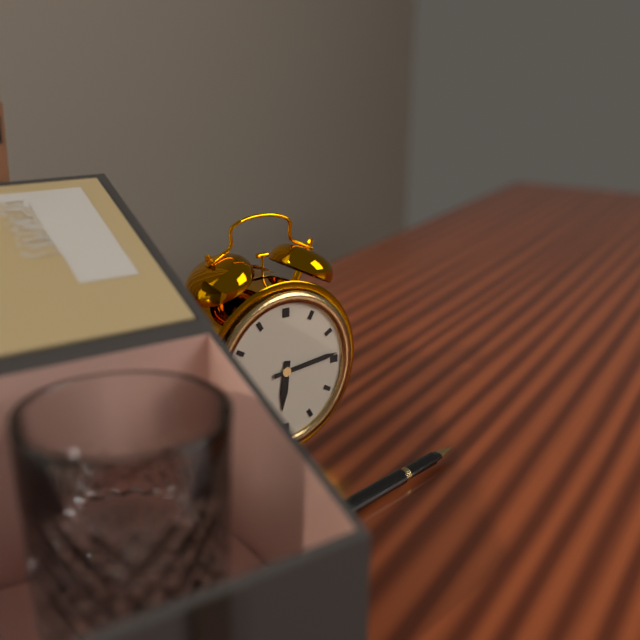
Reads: 6,14
